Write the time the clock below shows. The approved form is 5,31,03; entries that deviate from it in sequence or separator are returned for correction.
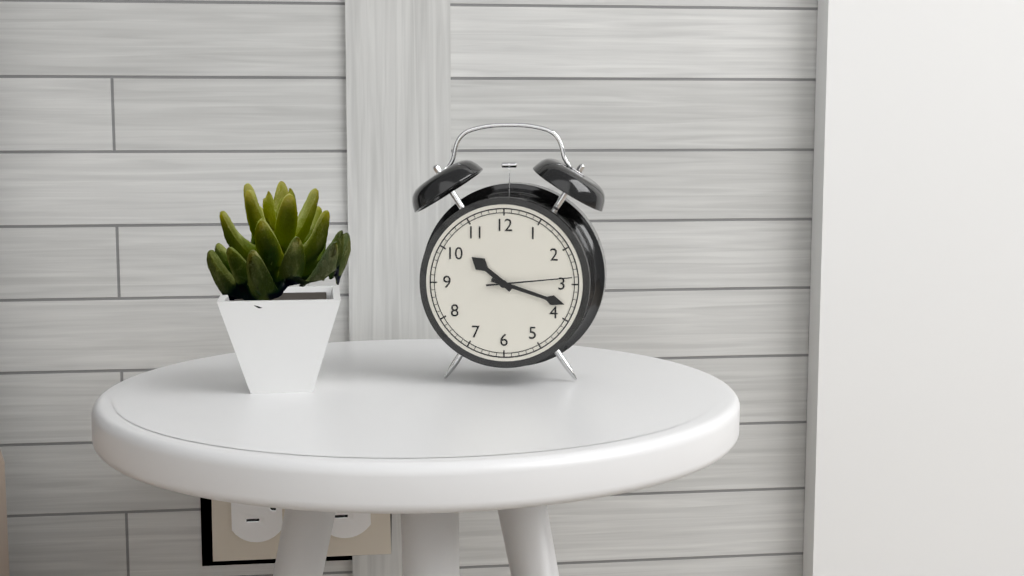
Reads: 10,18,14
